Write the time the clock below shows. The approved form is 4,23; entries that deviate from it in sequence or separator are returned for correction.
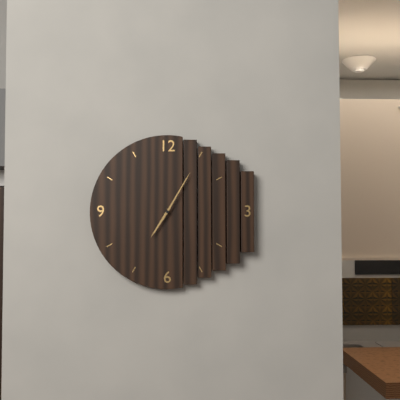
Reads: 7,05
